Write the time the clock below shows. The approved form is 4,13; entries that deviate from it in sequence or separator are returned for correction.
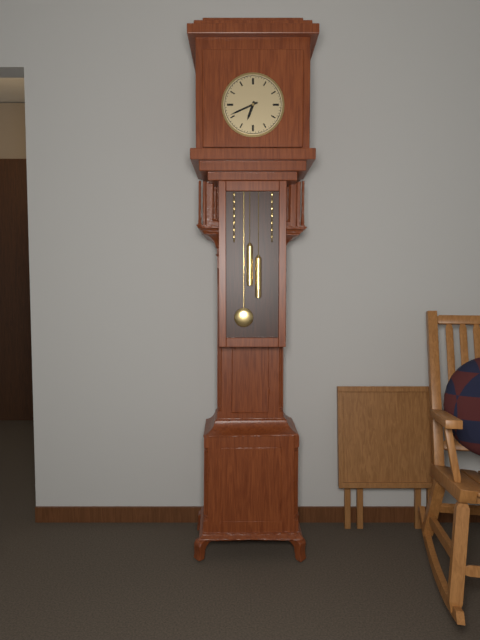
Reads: 6,41
